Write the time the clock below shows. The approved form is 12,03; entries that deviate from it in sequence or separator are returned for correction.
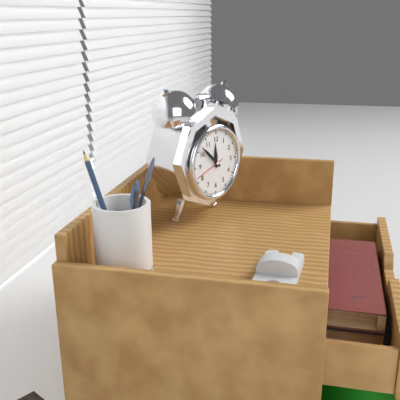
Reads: 11,52
